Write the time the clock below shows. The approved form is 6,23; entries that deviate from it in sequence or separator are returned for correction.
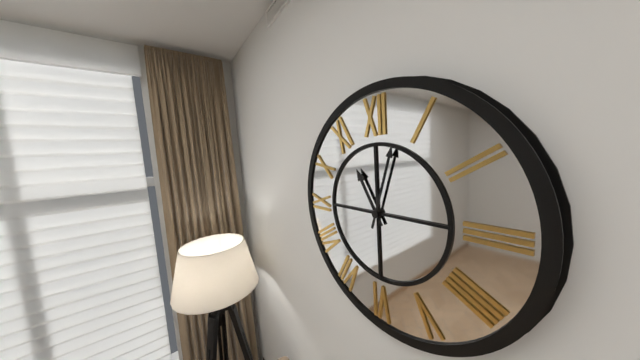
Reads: 11,03
